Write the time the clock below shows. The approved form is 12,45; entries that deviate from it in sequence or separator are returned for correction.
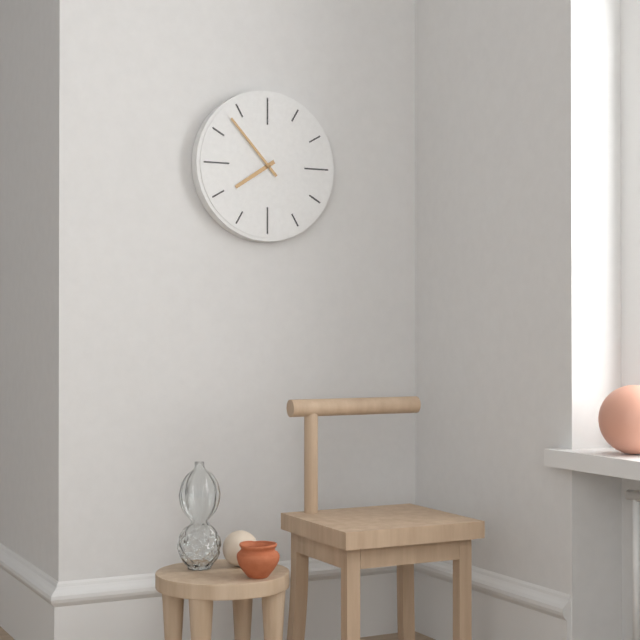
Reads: 7,53
